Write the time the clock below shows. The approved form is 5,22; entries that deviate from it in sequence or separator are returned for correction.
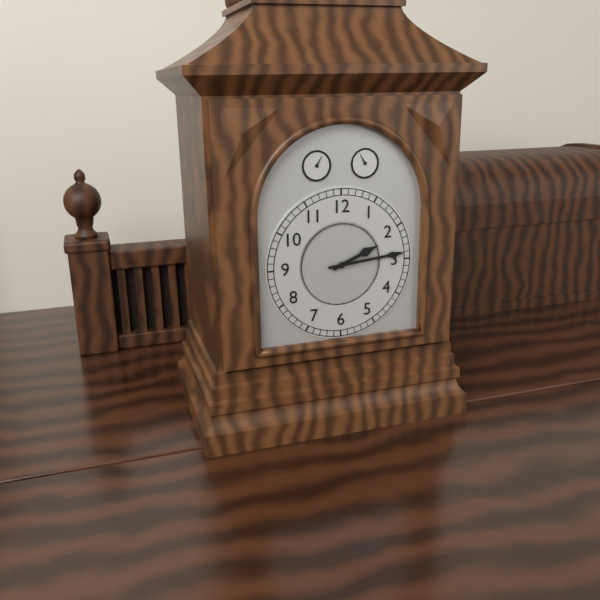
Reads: 2,14
